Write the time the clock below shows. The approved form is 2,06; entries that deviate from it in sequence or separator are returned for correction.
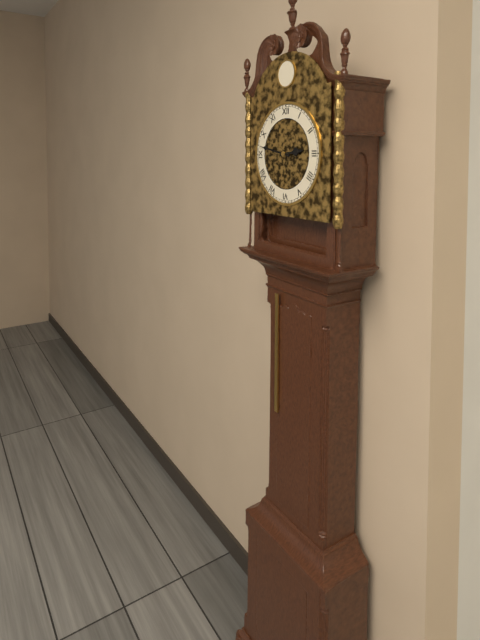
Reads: 2,47
